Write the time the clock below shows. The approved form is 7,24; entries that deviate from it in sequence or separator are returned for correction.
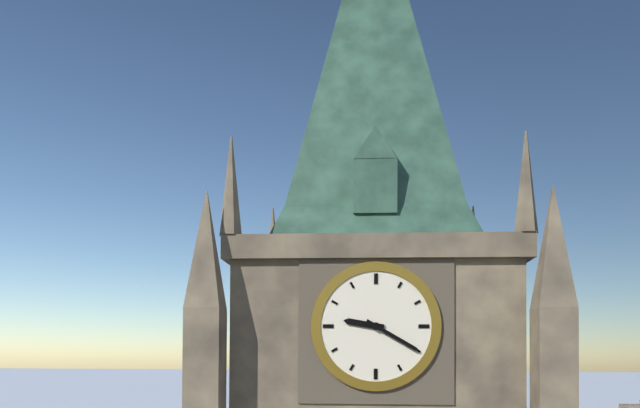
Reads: 9,20
